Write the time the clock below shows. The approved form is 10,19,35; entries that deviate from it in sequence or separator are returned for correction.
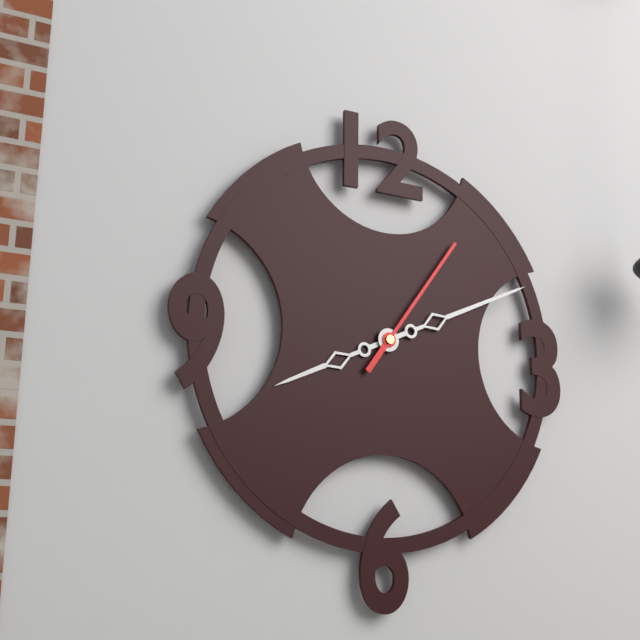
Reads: 8,11,06
